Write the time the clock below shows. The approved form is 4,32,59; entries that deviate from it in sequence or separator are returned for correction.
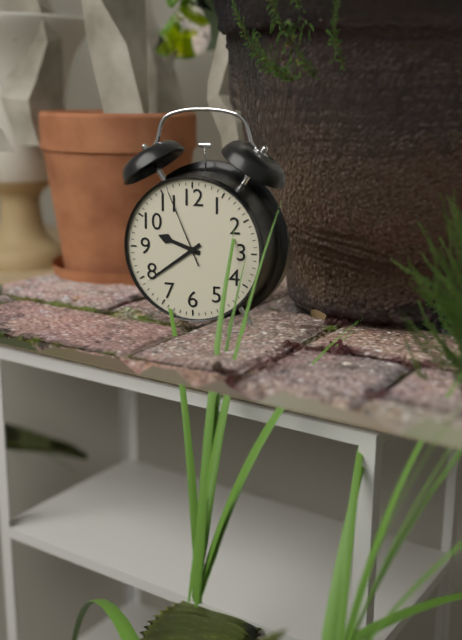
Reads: 9,39,56
